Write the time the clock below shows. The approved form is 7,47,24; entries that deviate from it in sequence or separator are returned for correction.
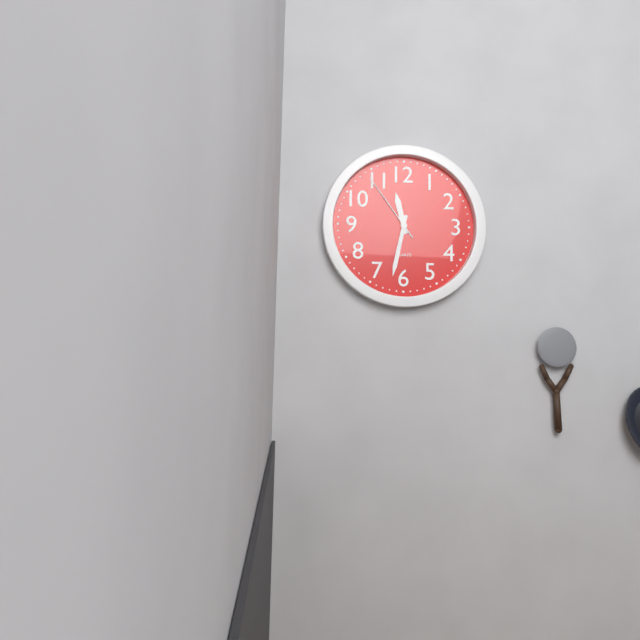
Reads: 11,32,54
